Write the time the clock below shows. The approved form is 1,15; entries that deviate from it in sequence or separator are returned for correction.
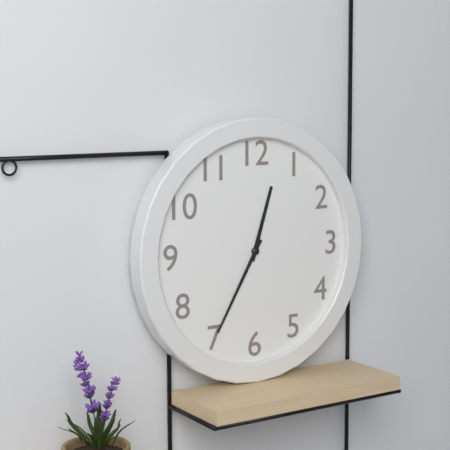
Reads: 12,35
